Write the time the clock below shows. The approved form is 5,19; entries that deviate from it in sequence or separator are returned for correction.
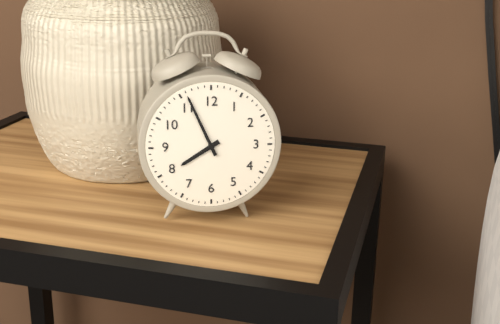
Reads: 7,56
